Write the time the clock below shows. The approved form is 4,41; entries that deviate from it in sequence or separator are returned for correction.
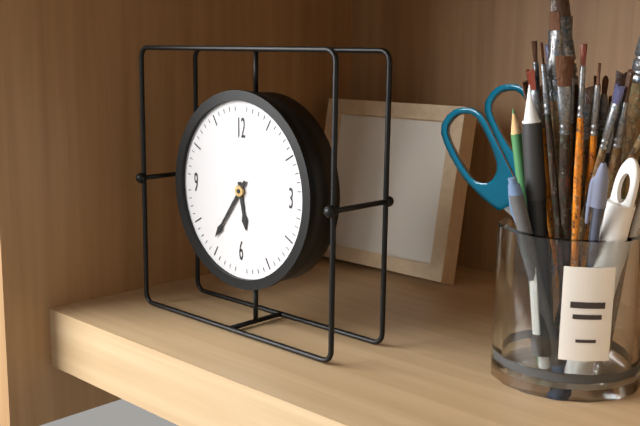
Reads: 5,36
